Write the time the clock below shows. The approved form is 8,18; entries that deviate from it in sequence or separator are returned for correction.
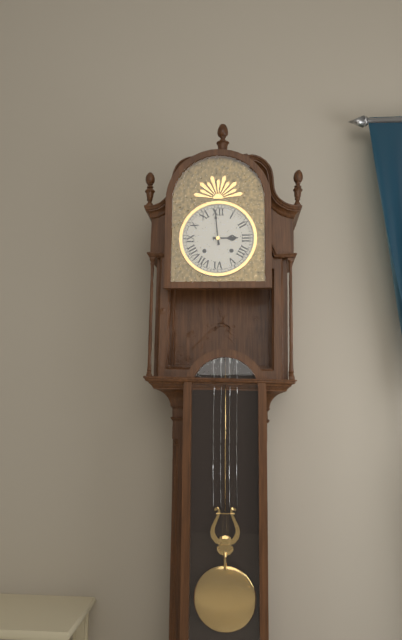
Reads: 2,59
